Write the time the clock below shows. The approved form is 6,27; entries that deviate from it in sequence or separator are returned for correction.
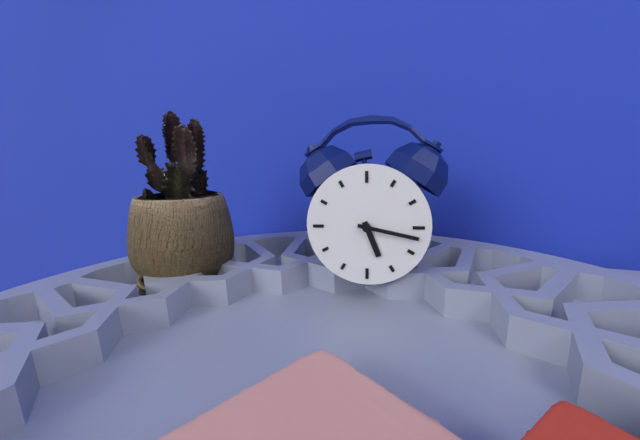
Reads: 5,17
